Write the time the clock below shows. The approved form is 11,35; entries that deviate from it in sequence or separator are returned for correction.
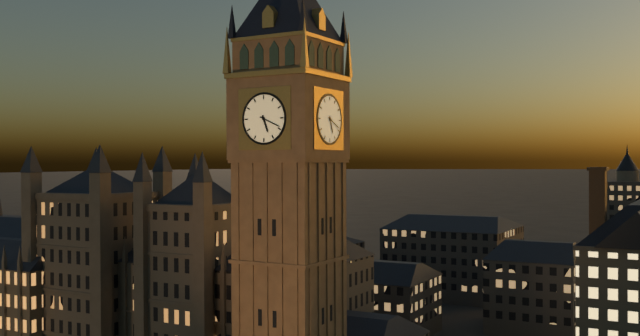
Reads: 5,19
